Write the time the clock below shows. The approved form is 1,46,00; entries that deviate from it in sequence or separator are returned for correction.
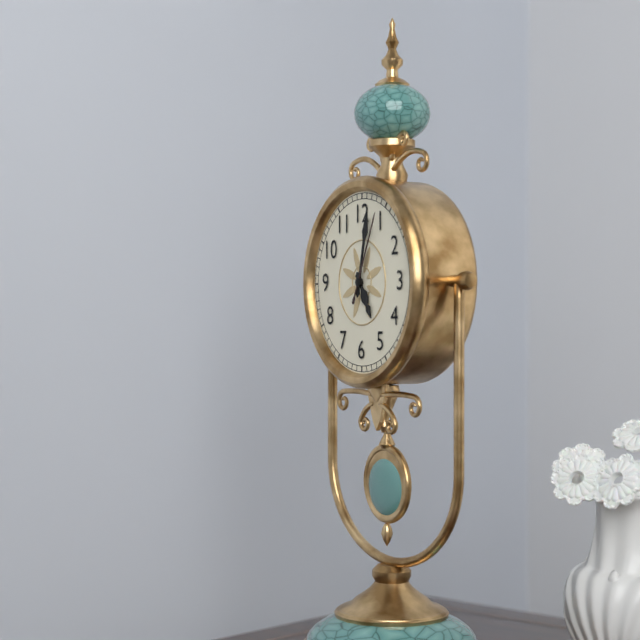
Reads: 5,02,04
